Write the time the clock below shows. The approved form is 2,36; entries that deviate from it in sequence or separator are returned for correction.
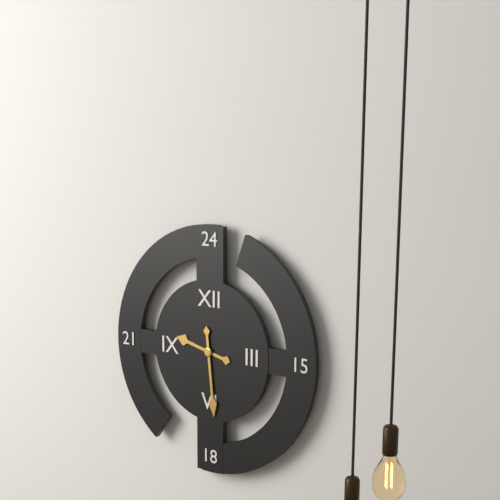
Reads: 9,29
